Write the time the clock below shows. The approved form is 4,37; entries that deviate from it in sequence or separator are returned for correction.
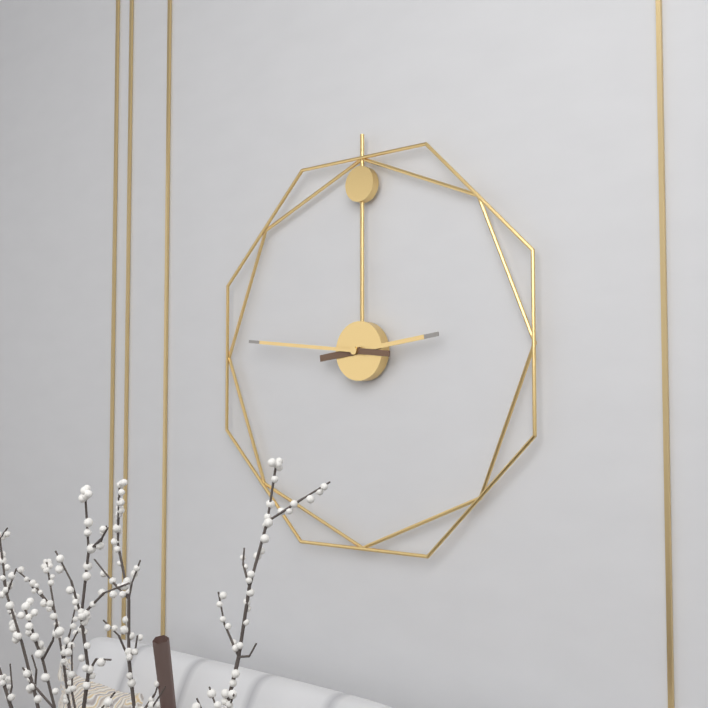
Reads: 2,46
